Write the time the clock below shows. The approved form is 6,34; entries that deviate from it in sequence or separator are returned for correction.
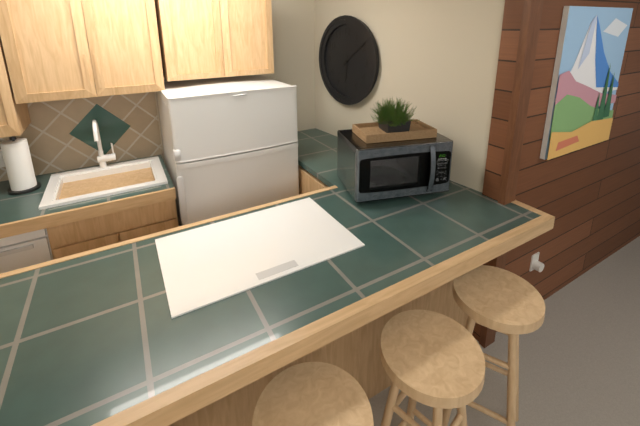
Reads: 6,09
